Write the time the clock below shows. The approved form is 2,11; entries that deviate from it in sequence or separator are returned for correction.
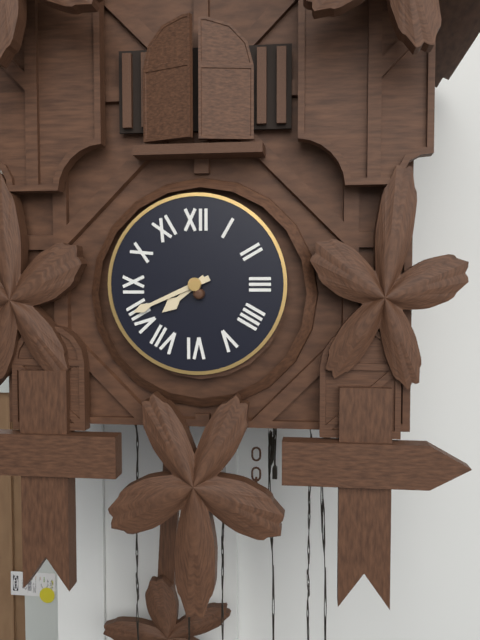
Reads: 7,41
